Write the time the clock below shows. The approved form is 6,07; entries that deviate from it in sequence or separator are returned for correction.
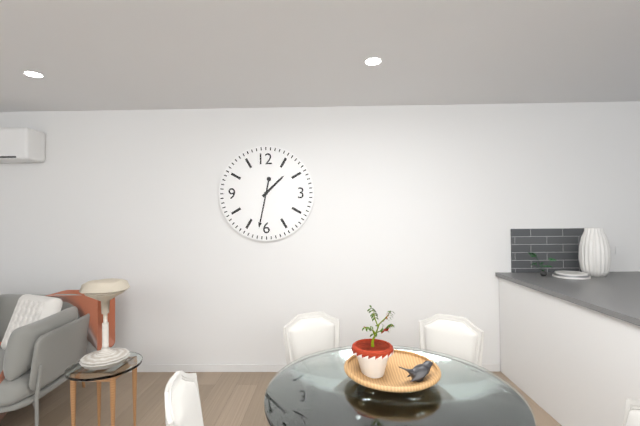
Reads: 1,32
